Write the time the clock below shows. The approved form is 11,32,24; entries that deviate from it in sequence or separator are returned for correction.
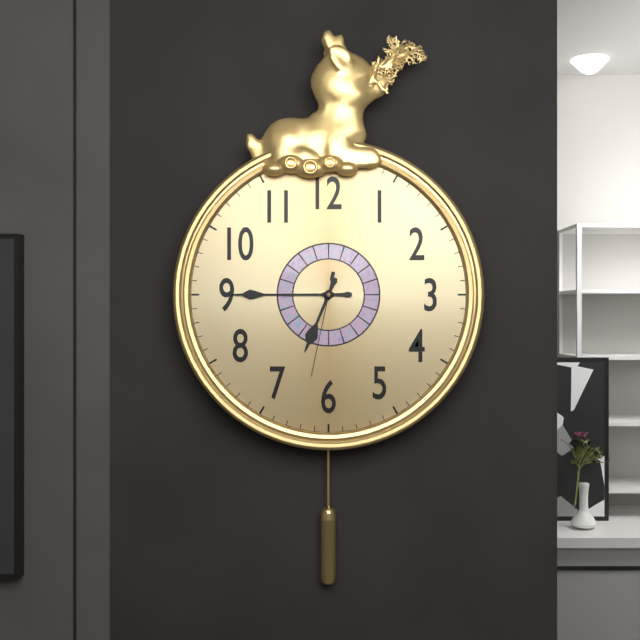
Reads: 6,45,32
